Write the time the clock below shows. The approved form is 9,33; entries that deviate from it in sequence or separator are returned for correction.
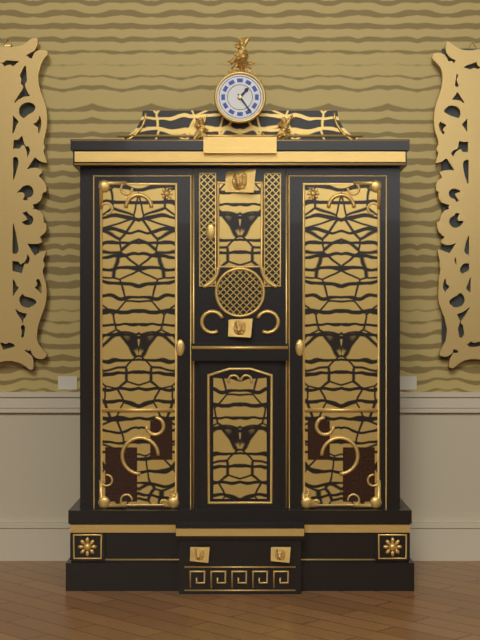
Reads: 1,24
